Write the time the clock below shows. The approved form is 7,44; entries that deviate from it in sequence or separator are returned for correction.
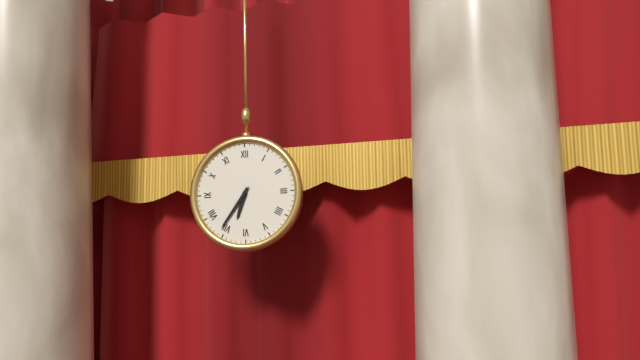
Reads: 6,36
